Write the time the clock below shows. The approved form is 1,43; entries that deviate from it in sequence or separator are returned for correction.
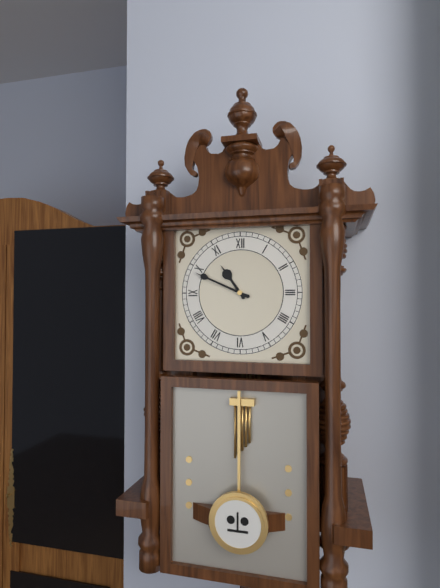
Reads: 10,49
